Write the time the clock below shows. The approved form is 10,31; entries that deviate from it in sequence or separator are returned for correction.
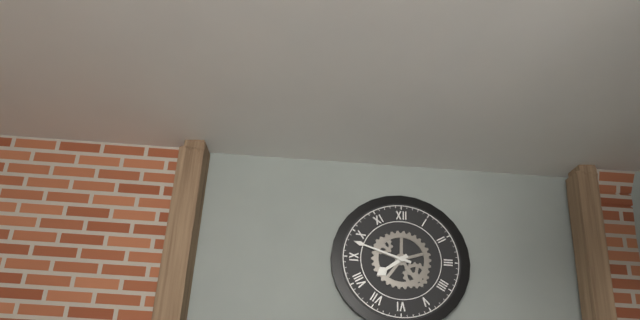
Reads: 7,48
